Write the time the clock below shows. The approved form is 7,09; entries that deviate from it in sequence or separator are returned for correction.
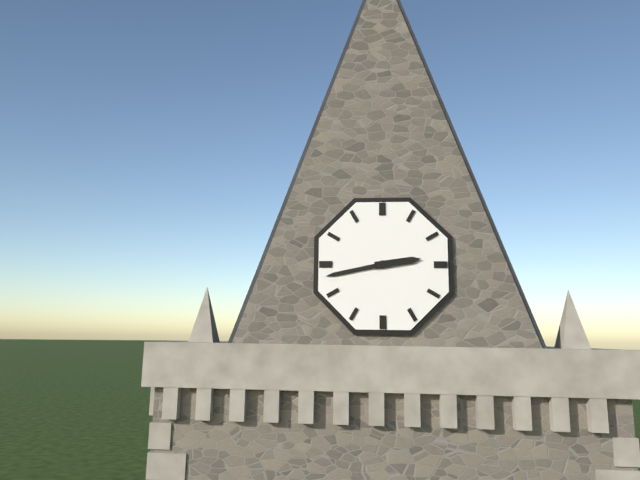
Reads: 2,43
